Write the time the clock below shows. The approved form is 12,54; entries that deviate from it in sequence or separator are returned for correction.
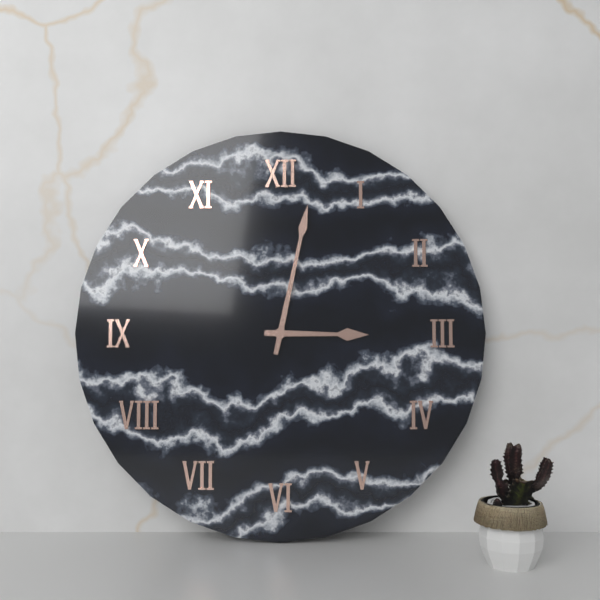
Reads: 3,02
